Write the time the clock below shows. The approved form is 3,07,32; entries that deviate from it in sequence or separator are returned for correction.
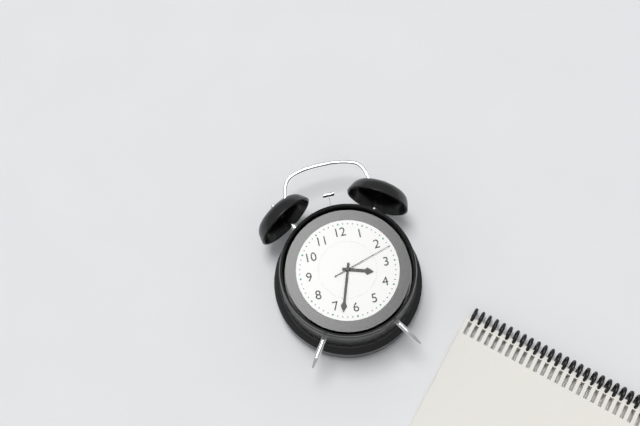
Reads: 3,33,12
